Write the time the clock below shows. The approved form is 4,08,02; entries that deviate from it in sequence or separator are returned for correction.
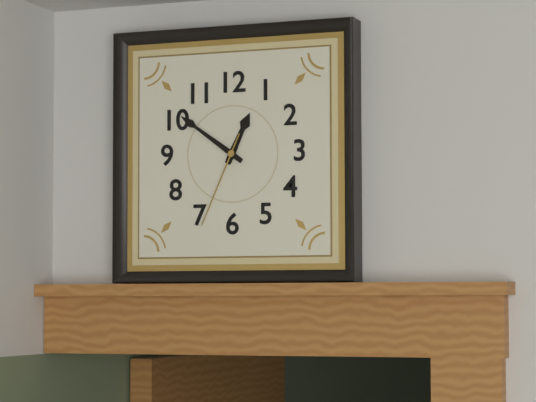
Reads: 12,51,34
